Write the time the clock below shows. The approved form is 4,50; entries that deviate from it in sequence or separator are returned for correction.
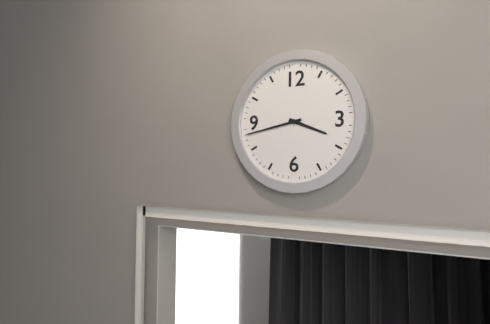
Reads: 3,43
